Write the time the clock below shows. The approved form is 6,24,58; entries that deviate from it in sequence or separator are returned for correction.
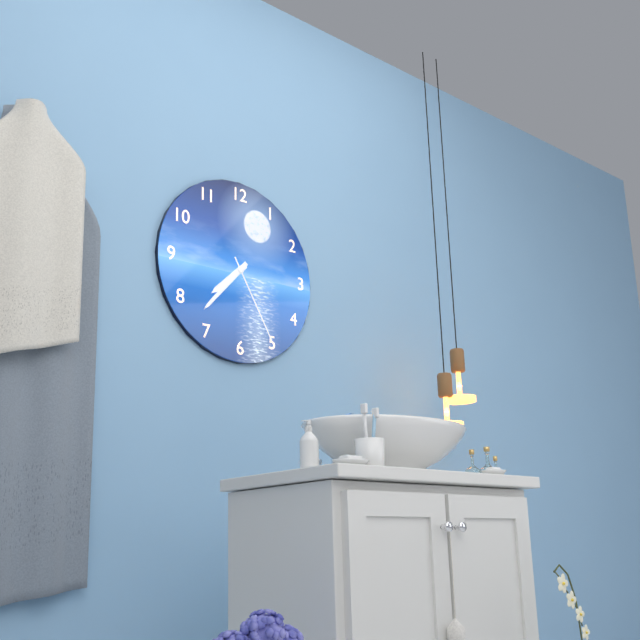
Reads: 7,37,25
